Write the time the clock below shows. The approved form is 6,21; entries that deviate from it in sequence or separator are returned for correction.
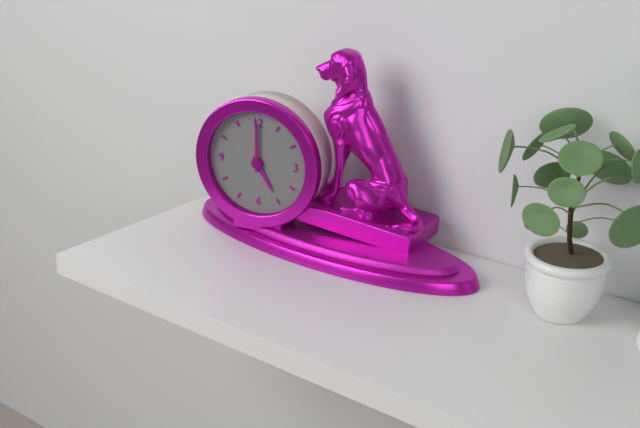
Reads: 5,00
